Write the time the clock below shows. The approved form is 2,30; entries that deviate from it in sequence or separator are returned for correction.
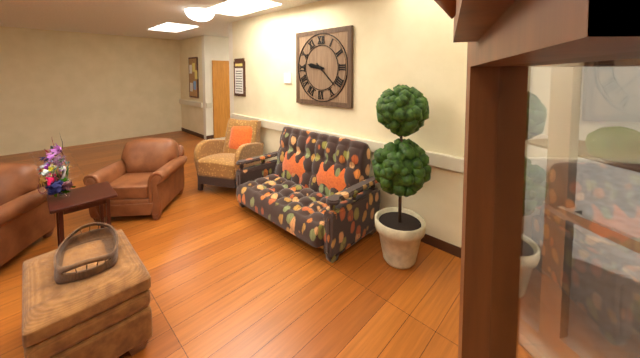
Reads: 9,22
